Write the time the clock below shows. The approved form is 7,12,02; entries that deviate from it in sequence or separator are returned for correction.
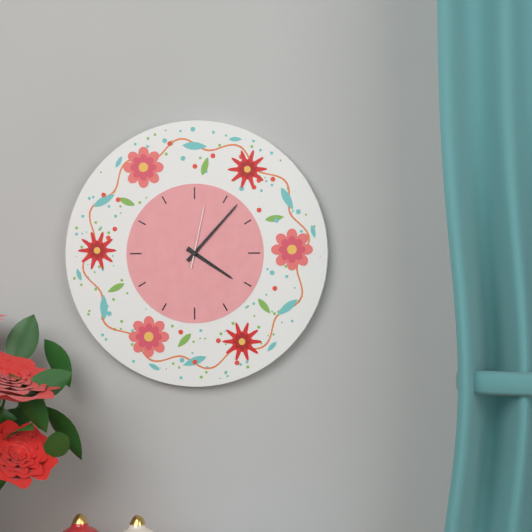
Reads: 4,07,02
